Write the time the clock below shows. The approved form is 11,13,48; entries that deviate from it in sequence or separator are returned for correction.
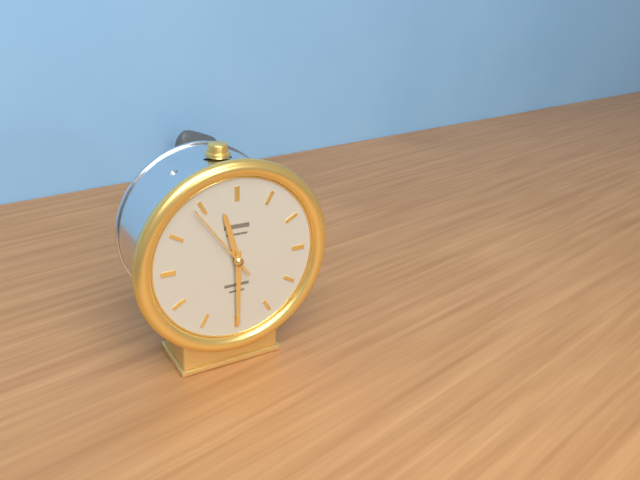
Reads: 11,30,54
